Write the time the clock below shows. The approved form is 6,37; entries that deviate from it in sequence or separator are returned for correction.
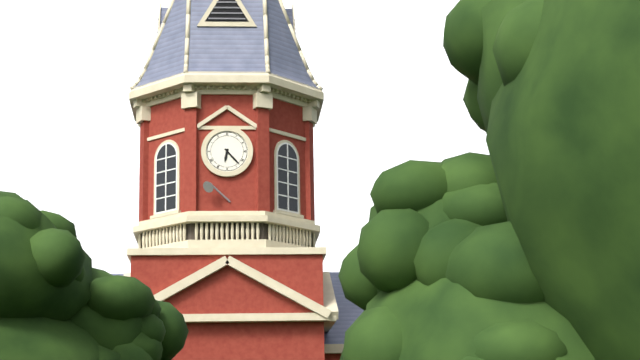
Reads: 6,23
